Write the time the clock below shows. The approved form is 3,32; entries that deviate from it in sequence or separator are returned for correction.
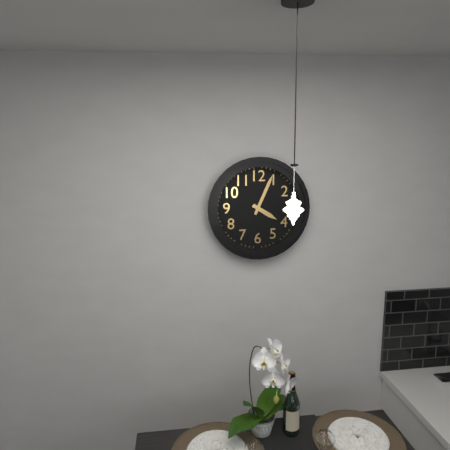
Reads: 4,04
